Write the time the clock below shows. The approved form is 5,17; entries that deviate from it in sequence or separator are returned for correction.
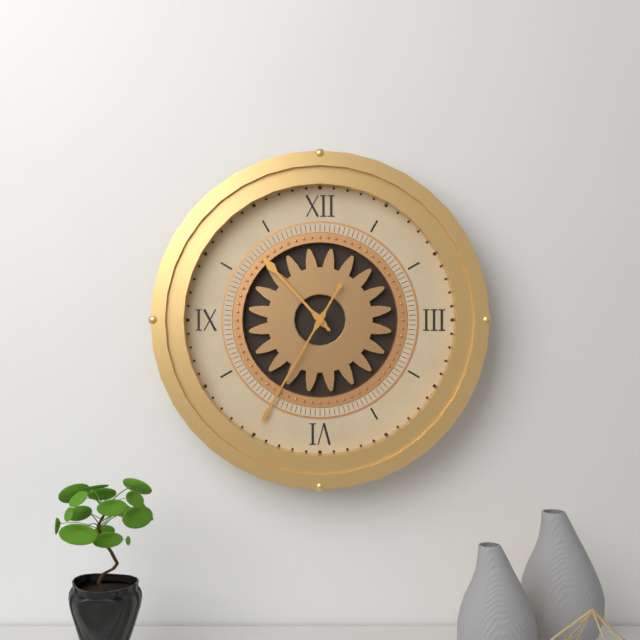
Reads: 10,35
